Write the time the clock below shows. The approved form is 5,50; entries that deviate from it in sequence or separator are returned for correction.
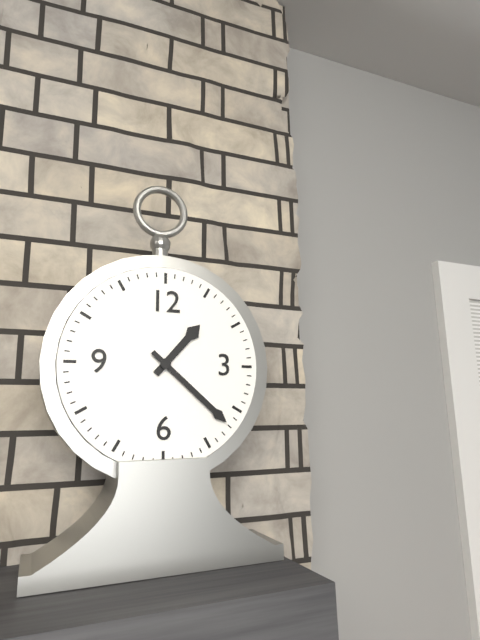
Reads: 1,22
